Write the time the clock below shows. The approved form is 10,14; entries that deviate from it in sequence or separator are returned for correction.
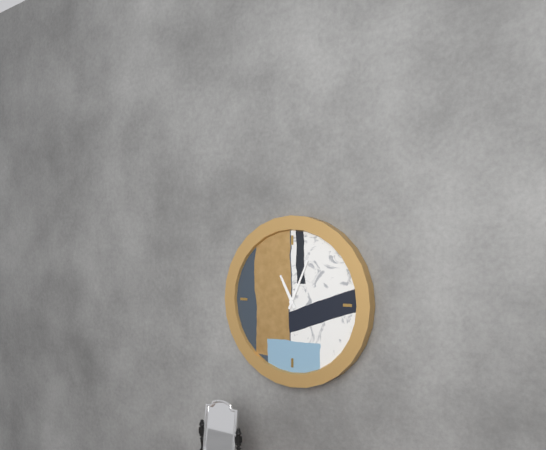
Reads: 11,04
